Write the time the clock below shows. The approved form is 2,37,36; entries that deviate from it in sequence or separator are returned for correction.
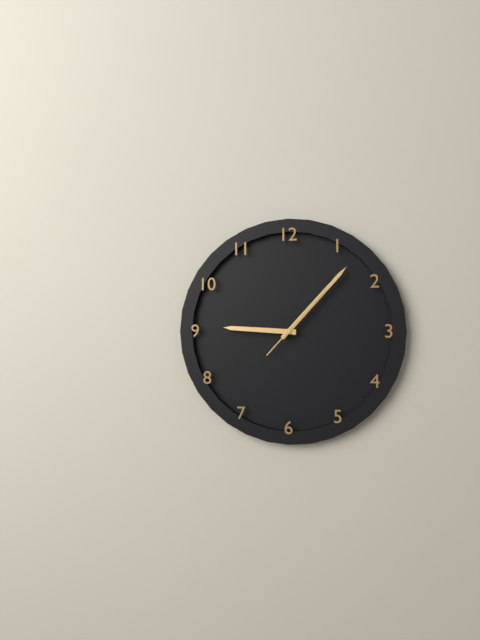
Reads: 9,07,07
